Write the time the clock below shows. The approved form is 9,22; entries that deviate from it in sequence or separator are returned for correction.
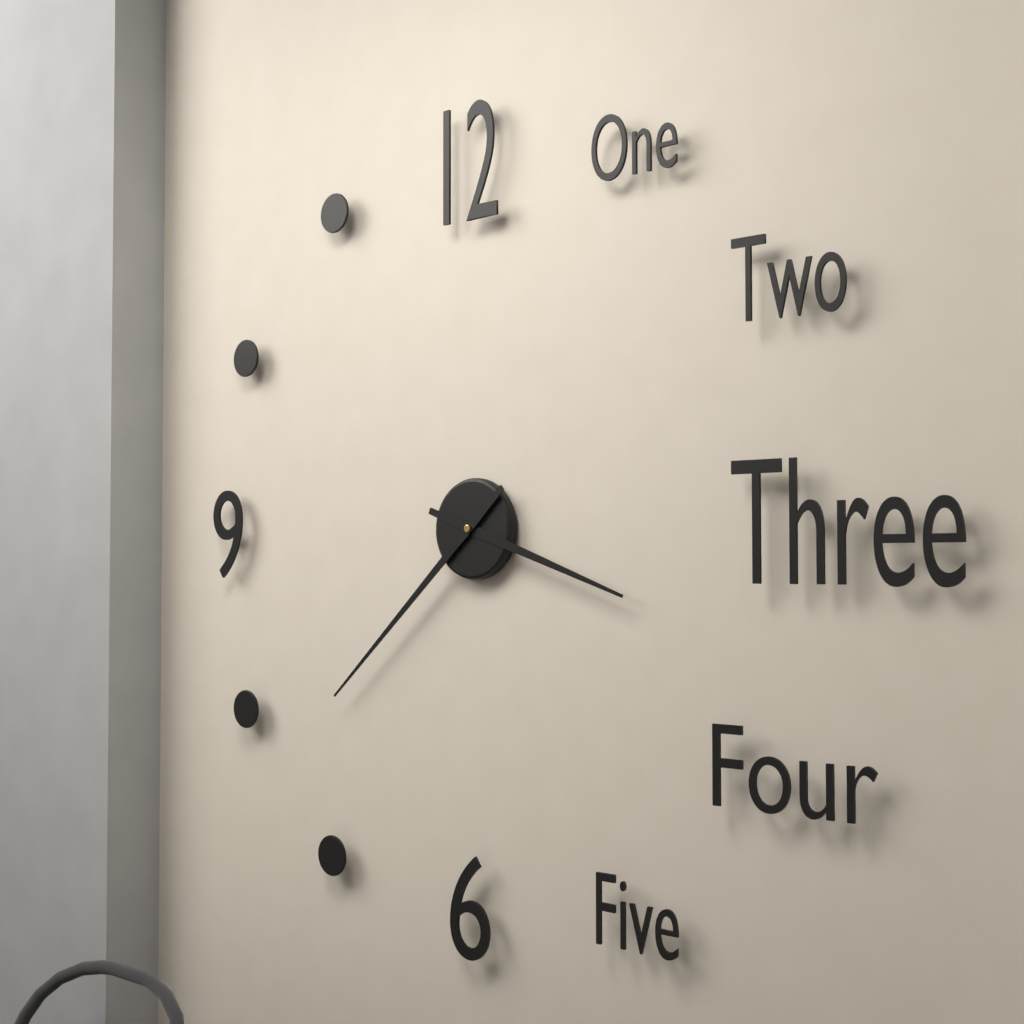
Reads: 3,38
